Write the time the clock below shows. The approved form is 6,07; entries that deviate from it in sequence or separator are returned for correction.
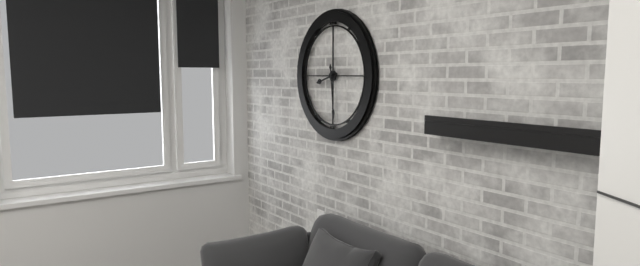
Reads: 8,29
